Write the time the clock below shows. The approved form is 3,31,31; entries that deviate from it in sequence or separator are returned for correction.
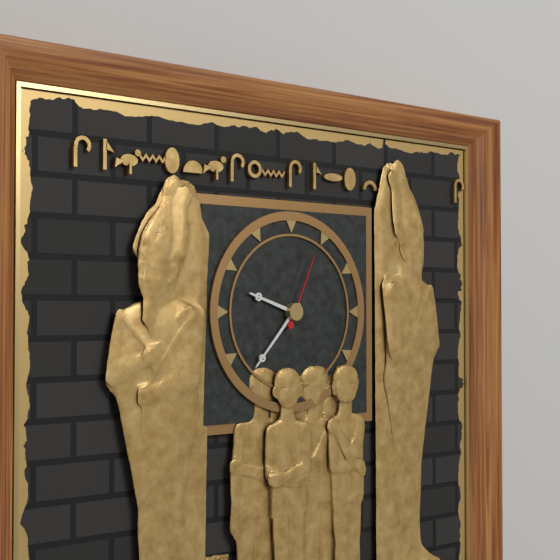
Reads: 9,37,04
